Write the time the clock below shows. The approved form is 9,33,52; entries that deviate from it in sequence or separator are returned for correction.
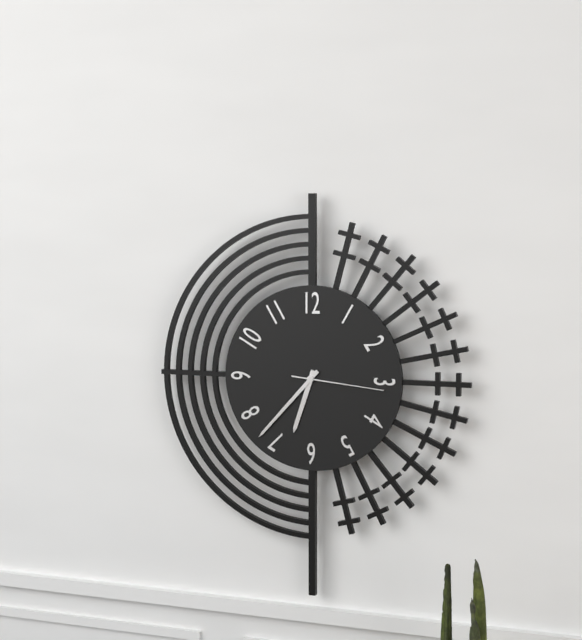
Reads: 6,37,16
